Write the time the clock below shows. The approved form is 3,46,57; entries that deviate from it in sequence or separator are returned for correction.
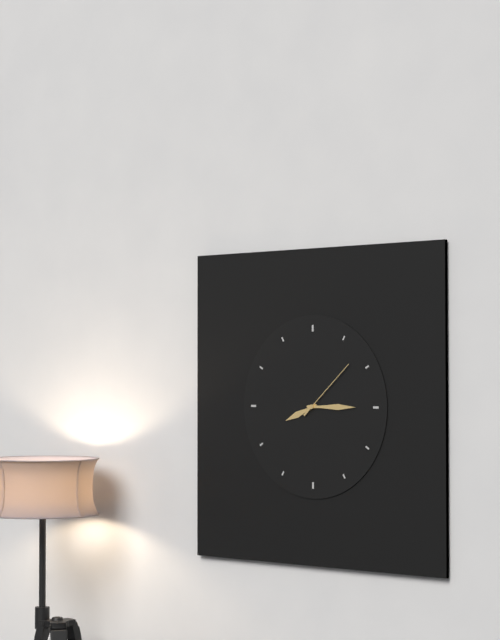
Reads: 8,15,08
